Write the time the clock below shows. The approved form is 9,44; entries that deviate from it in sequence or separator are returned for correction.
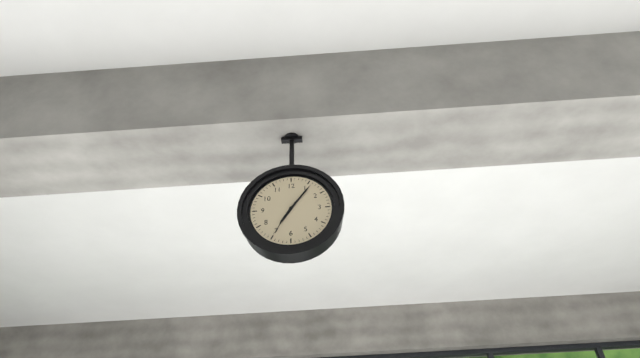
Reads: 7,06
